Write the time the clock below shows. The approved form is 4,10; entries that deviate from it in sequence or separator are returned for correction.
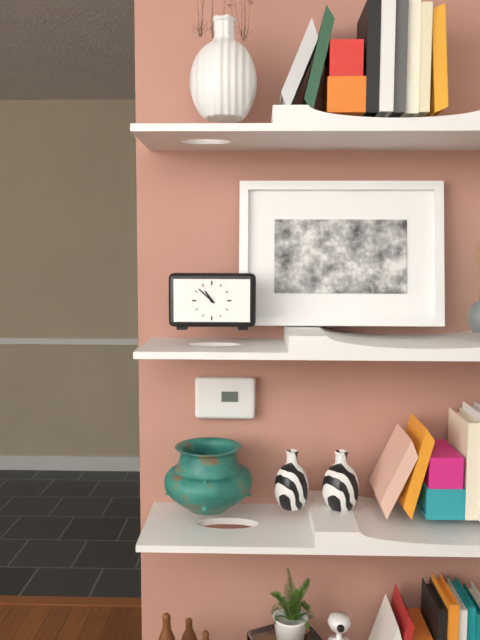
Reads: 10,52
